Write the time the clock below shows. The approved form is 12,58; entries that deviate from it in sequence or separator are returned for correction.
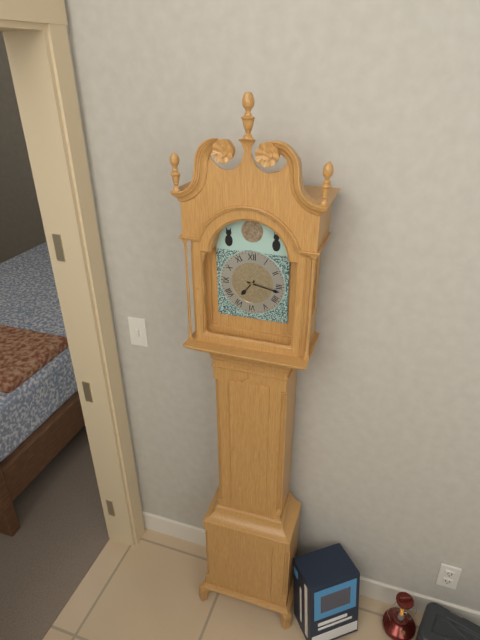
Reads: 7,17
